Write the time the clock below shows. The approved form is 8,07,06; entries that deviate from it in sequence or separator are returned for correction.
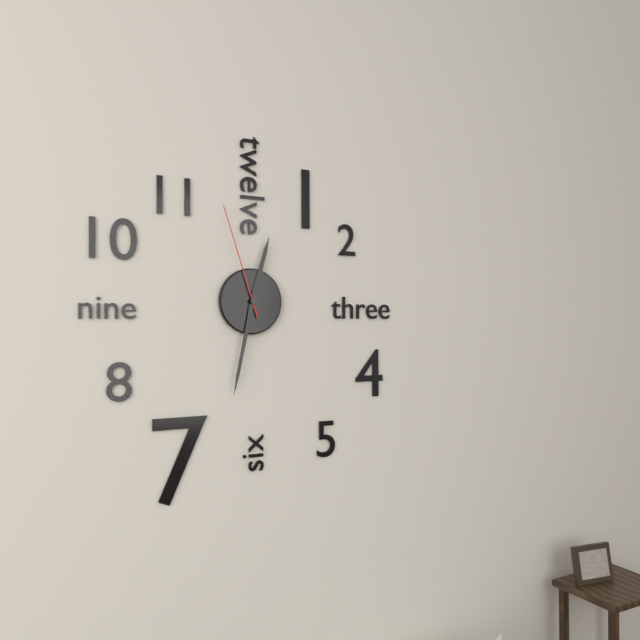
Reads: 12,32,57
